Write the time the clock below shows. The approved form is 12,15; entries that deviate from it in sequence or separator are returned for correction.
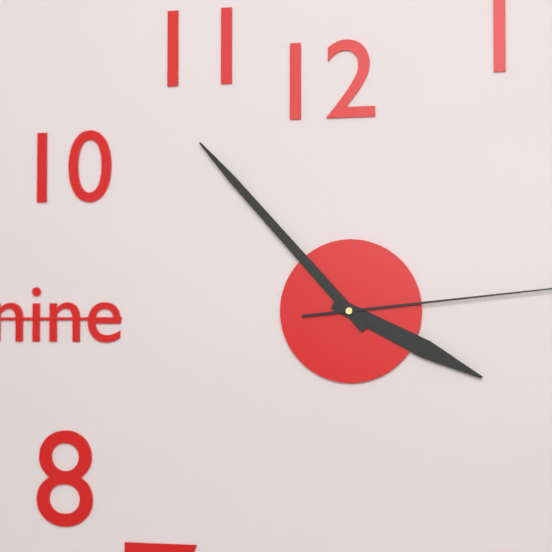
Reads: 3,53
